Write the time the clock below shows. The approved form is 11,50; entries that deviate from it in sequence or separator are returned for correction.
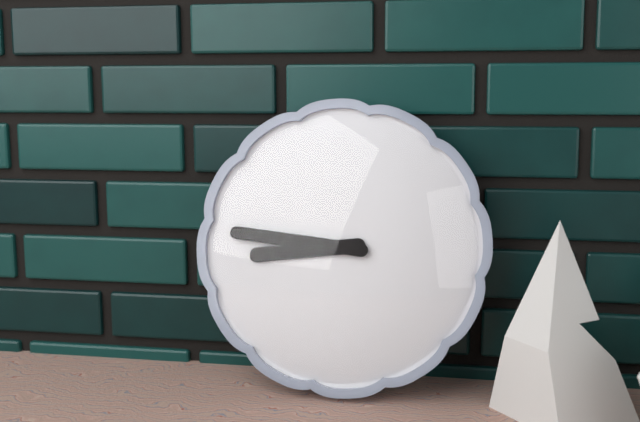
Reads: 8,46
